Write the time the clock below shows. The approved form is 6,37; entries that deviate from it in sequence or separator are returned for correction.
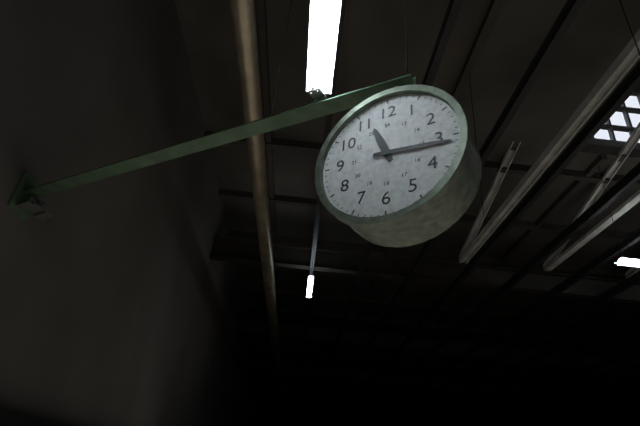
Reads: 11,16
